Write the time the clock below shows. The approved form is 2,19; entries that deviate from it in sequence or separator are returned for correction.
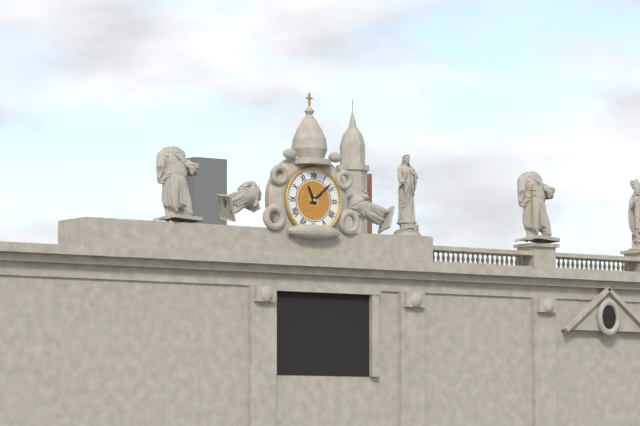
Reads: 11,08
